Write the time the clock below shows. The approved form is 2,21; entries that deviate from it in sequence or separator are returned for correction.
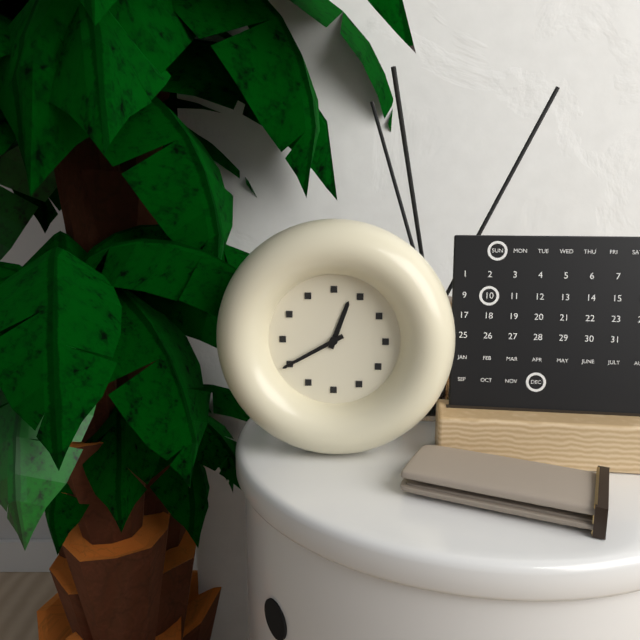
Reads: 12,40
